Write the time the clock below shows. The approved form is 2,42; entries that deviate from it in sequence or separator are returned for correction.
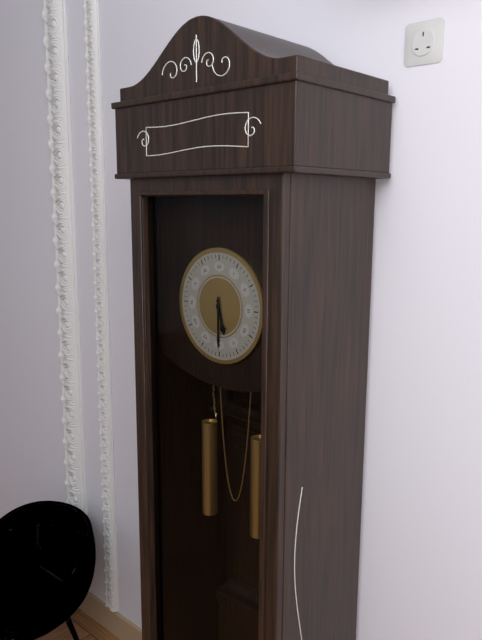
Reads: 5,30
